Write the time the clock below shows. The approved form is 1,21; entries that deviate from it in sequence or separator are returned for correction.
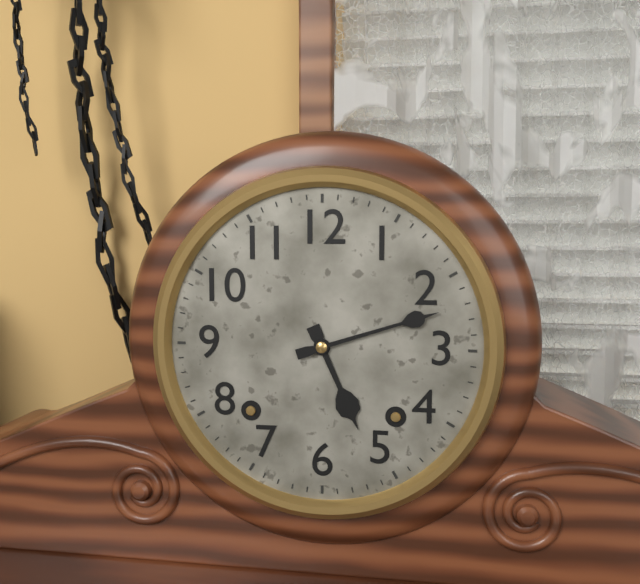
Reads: 5,12
